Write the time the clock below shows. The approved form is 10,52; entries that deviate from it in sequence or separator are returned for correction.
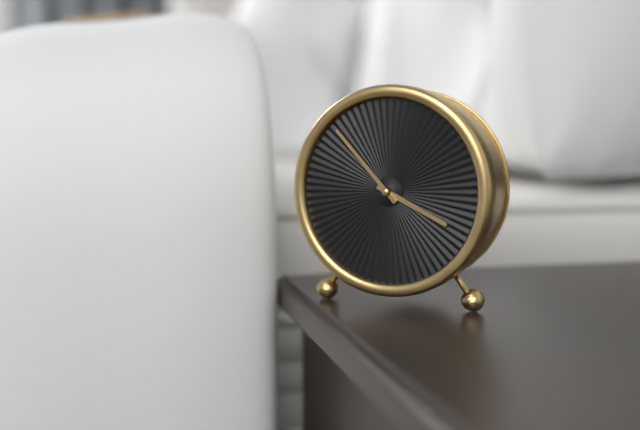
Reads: 3,53
